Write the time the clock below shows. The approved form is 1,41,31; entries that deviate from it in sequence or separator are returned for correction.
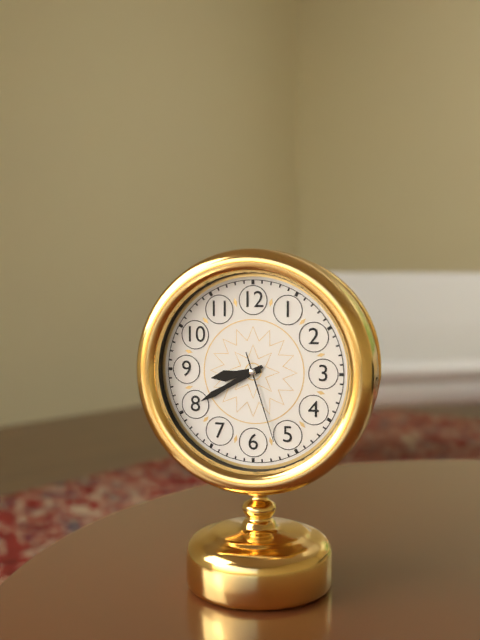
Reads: 8,40,27
